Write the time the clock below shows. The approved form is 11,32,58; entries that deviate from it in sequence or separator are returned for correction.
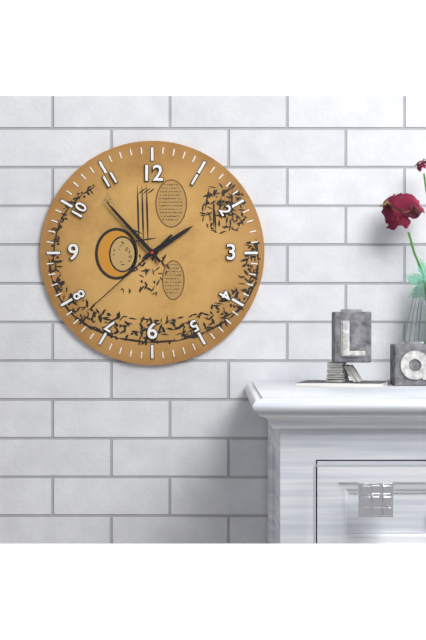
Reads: 1,53,38
